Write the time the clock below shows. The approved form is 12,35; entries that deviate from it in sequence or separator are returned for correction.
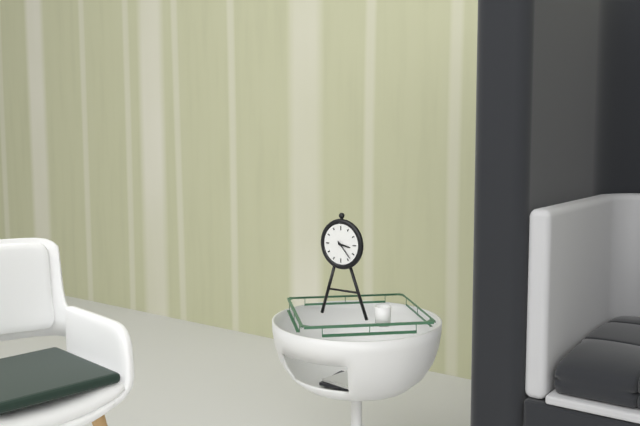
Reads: 3,23
